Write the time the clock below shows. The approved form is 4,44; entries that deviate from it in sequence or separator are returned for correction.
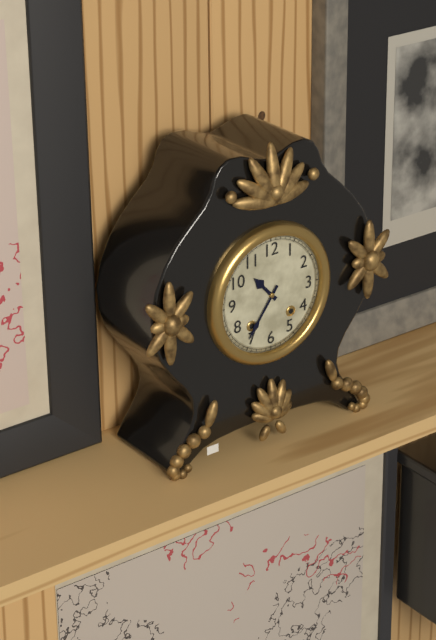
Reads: 10,36
